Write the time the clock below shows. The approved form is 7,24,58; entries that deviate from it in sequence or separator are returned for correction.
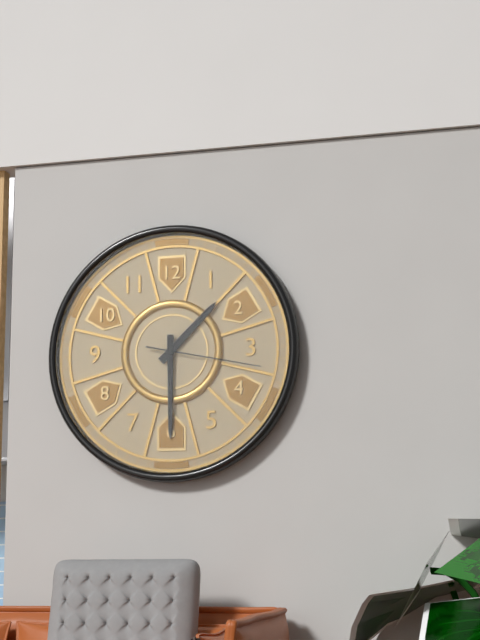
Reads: 1,30,17
